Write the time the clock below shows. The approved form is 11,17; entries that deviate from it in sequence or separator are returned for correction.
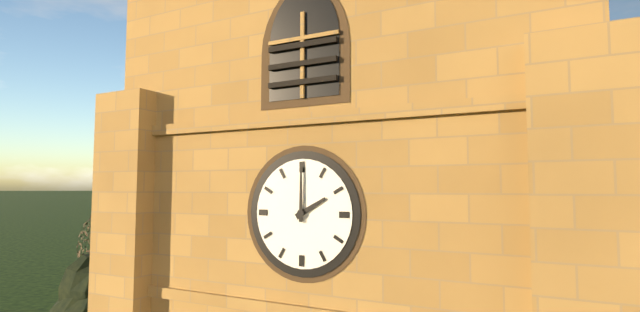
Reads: 2,00
